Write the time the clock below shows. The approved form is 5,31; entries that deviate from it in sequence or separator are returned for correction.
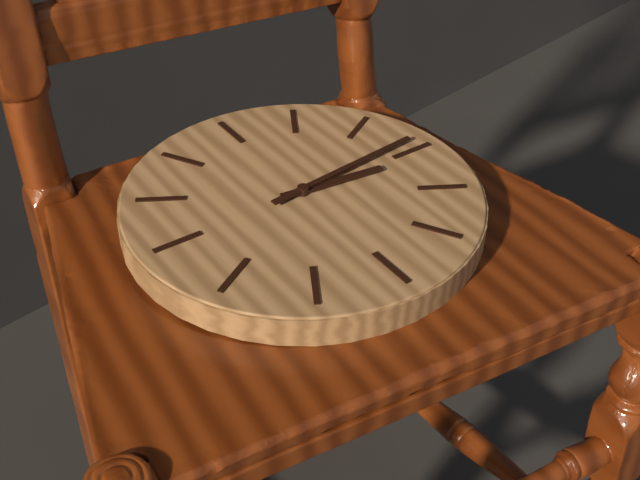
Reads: 3,14
